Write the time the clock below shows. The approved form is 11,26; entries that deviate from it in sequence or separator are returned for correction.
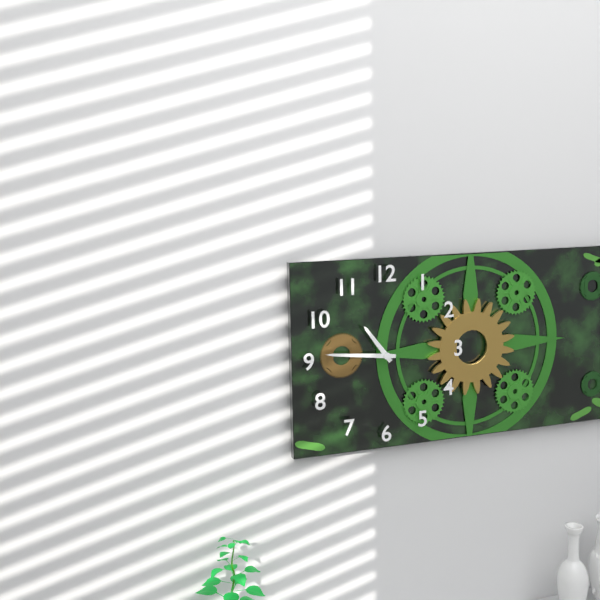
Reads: 10,46
